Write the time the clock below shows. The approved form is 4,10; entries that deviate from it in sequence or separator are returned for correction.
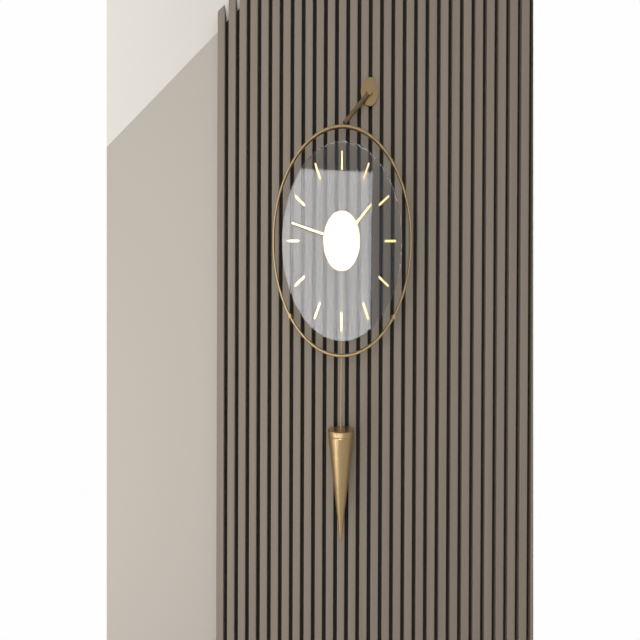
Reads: 1,47
